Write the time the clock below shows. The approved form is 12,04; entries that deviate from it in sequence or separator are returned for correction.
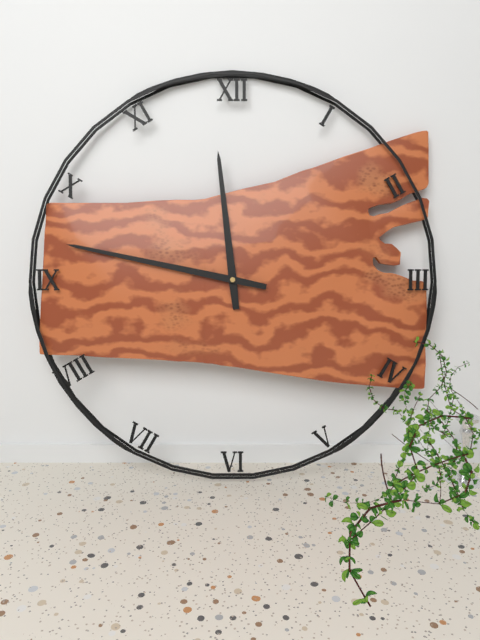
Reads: 11,47
